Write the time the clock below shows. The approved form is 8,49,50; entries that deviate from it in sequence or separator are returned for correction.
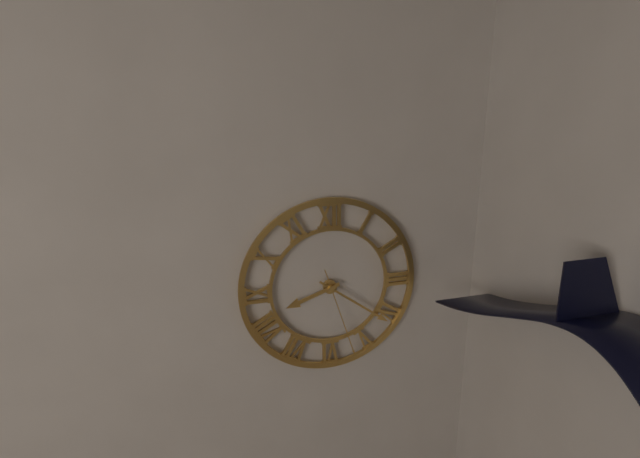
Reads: 8,21,27
